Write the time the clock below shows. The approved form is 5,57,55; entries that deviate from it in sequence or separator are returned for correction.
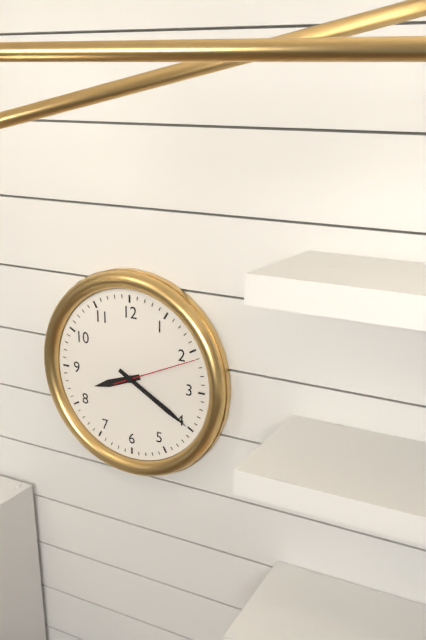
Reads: 8,20,11
